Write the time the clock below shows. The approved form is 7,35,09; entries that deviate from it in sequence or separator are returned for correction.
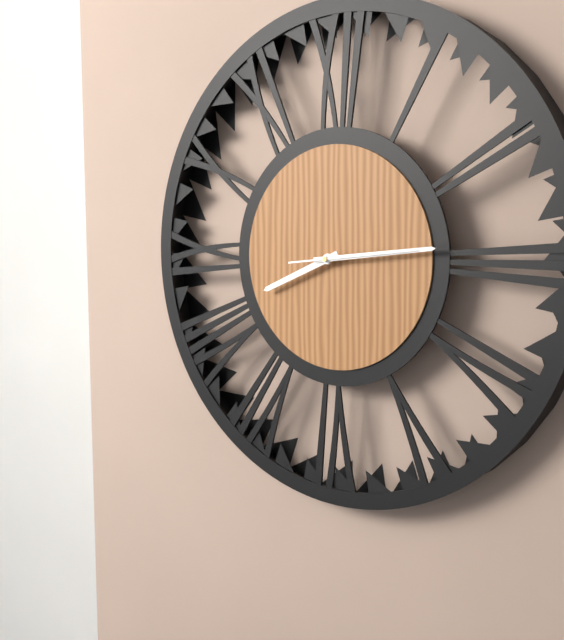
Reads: 8,14,14
